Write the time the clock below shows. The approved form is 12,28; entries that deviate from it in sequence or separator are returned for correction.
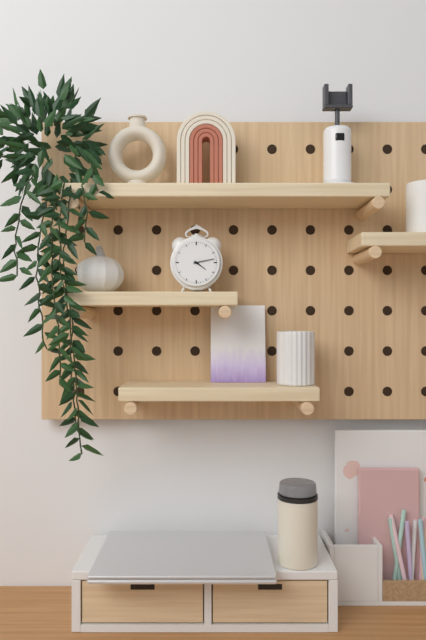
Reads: 4,13
